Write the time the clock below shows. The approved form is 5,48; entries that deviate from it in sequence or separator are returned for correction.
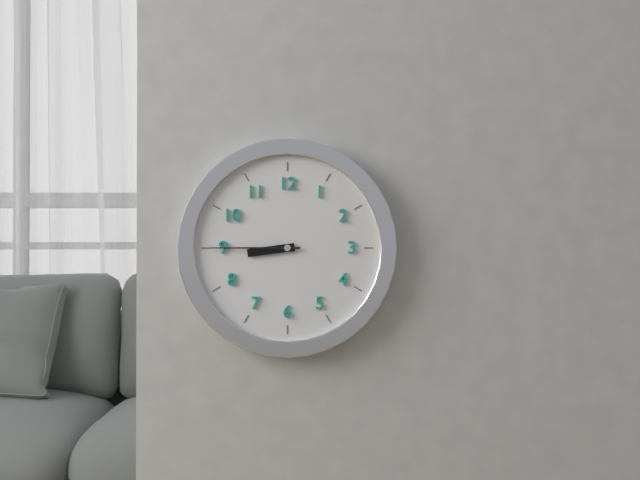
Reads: 8,45
